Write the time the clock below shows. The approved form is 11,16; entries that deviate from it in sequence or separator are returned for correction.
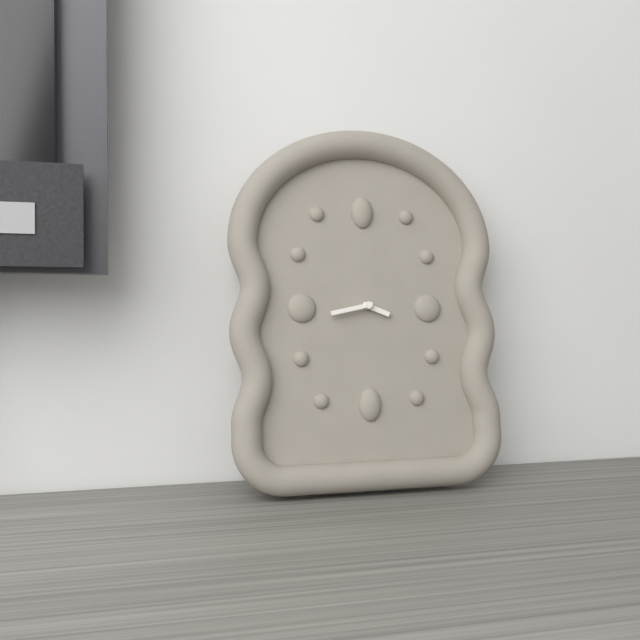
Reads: 3,43
